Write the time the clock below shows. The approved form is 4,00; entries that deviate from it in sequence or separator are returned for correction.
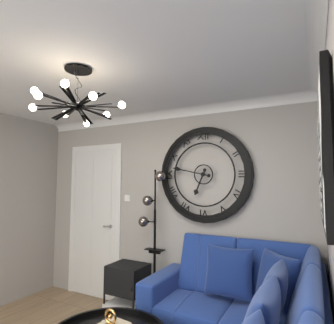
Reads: 6,47
